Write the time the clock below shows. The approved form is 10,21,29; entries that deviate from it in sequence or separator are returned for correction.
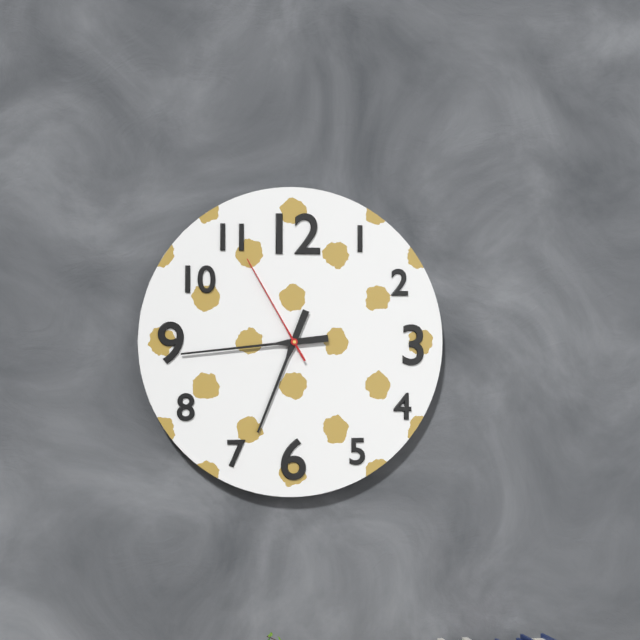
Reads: 6,44,55
